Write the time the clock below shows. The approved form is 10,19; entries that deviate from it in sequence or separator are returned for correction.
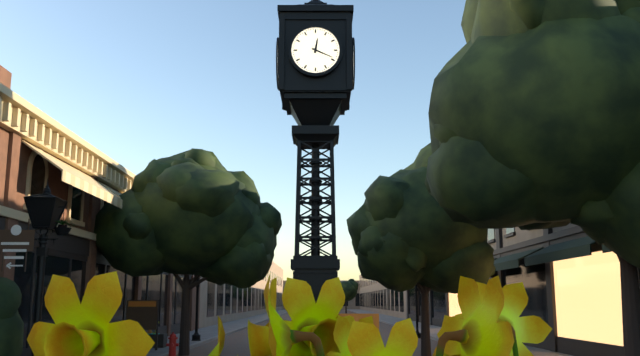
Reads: 12,19
